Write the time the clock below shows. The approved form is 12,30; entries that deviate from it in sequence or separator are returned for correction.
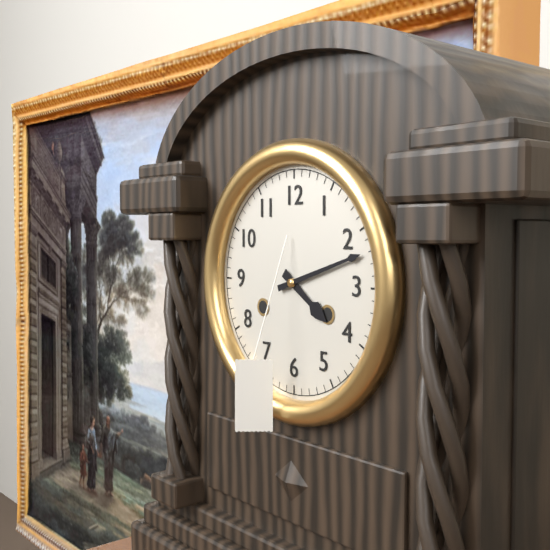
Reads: 4,12
